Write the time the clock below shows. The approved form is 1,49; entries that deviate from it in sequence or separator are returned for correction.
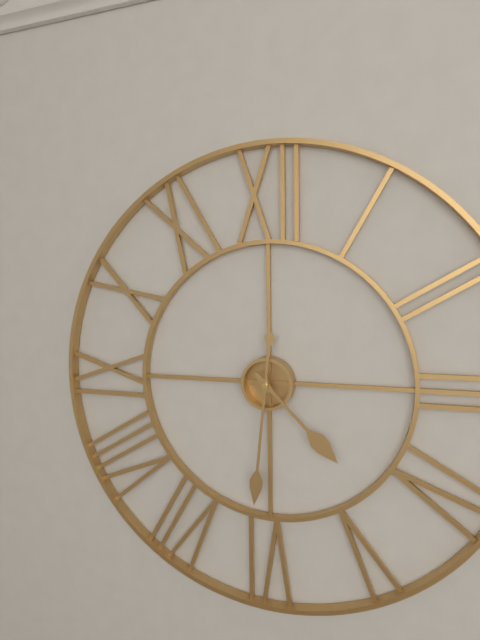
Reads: 4,31
